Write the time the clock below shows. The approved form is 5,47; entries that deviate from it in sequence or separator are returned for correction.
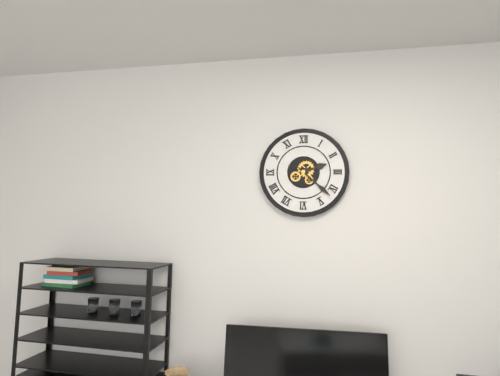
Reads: 2,22
